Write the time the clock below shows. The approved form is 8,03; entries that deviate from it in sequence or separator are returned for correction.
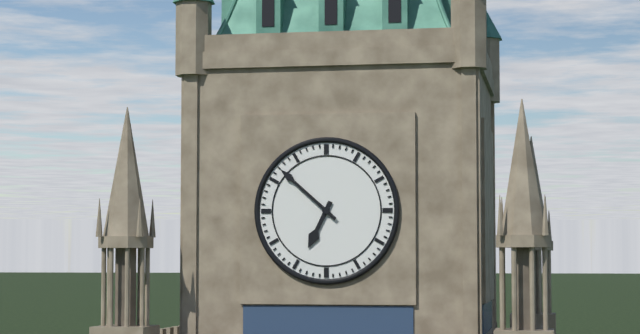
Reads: 6,52
